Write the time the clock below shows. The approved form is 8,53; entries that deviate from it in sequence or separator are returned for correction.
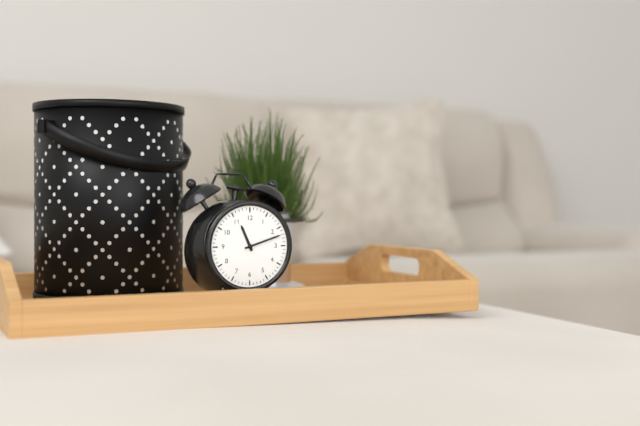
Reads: 11,12
